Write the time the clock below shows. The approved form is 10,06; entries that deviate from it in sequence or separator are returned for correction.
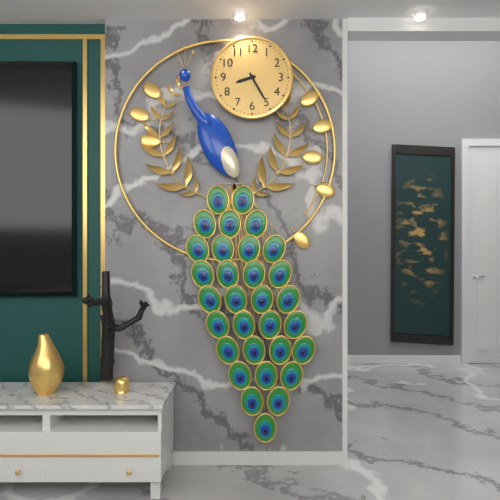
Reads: 8,25
